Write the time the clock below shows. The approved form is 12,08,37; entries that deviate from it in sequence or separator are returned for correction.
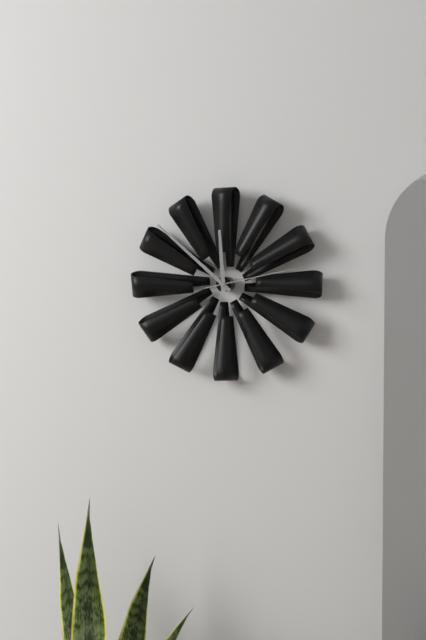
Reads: 11,52,13
